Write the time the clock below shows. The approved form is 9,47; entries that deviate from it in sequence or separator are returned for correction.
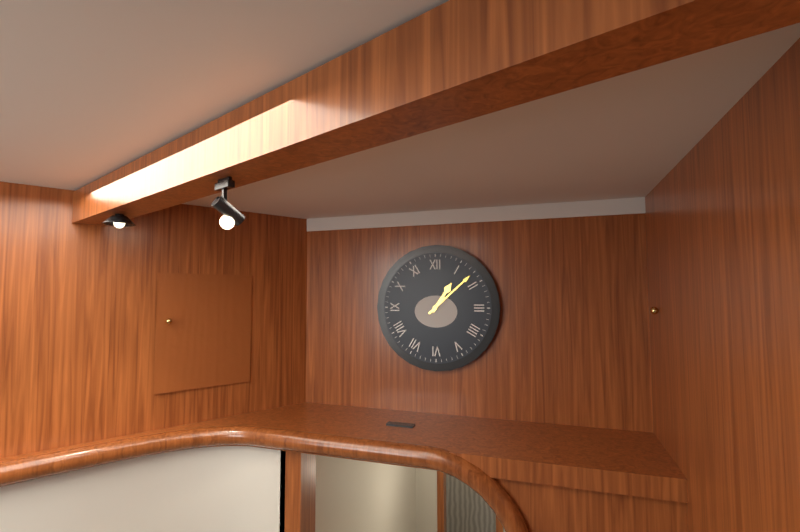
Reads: 1,08
